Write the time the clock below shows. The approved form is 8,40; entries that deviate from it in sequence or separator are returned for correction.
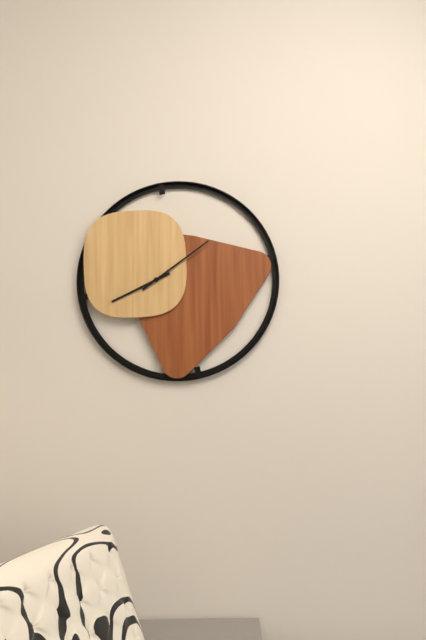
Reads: 8,09
